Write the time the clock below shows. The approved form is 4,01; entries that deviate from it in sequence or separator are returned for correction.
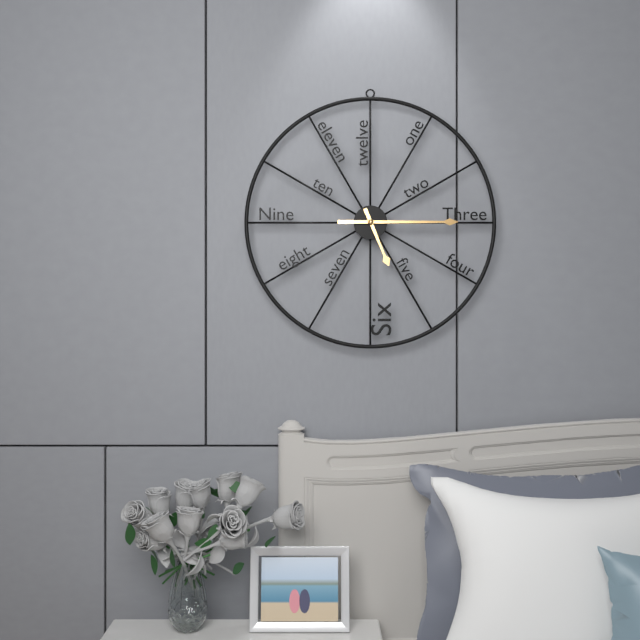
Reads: 5,15
